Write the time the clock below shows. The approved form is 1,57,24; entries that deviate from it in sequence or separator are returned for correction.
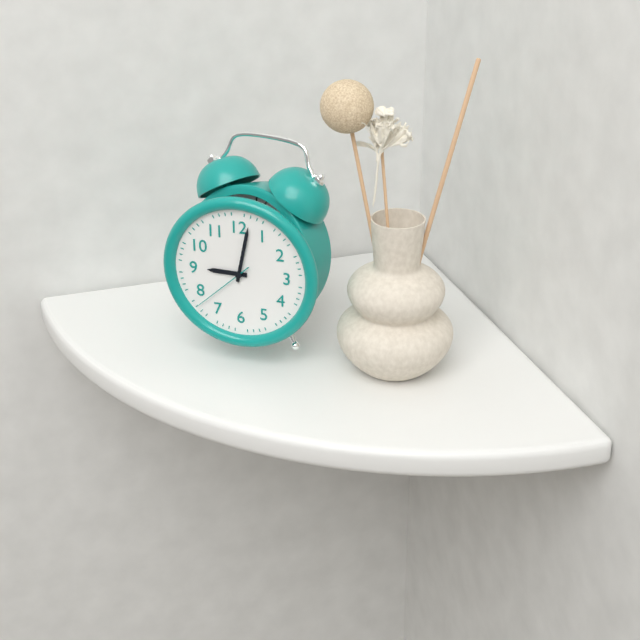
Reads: 9,02,38
